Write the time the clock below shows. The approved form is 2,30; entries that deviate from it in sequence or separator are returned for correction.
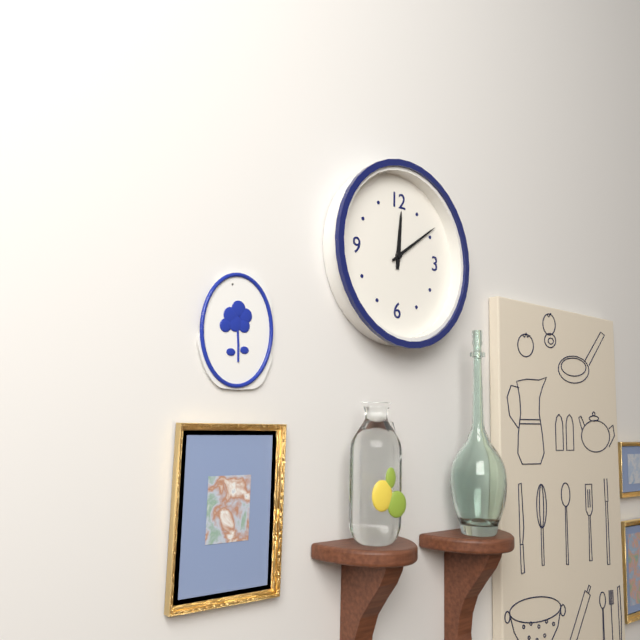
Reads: 12,09
